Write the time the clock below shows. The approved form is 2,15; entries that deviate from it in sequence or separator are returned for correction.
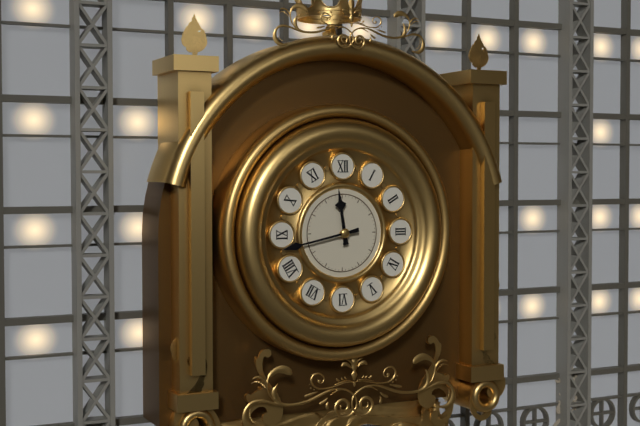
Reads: 11,43
